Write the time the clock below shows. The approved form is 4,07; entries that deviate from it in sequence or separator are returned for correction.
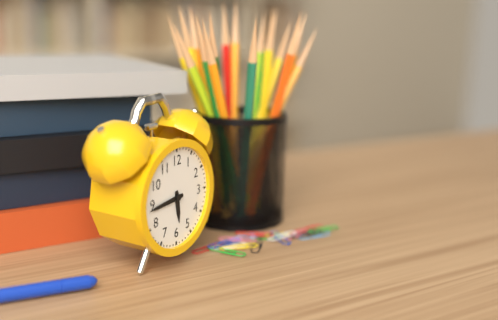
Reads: 5,44
